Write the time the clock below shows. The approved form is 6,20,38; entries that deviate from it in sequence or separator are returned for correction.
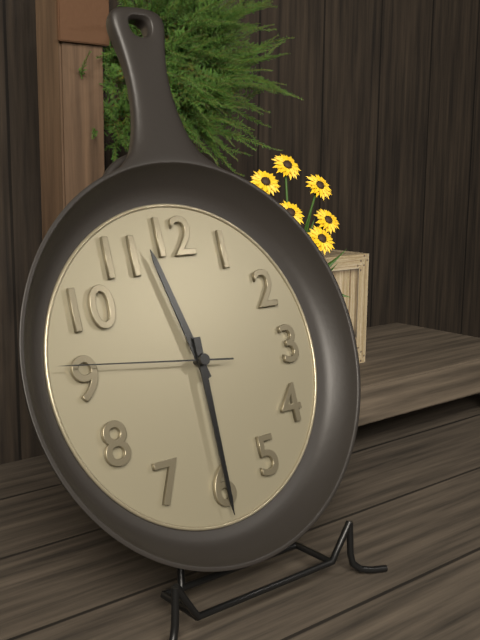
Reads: 11,30,46
